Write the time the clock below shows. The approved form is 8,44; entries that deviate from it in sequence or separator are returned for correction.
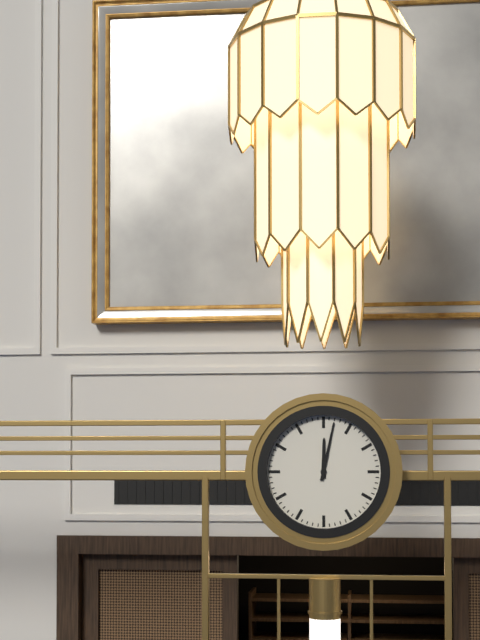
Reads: 12,02
